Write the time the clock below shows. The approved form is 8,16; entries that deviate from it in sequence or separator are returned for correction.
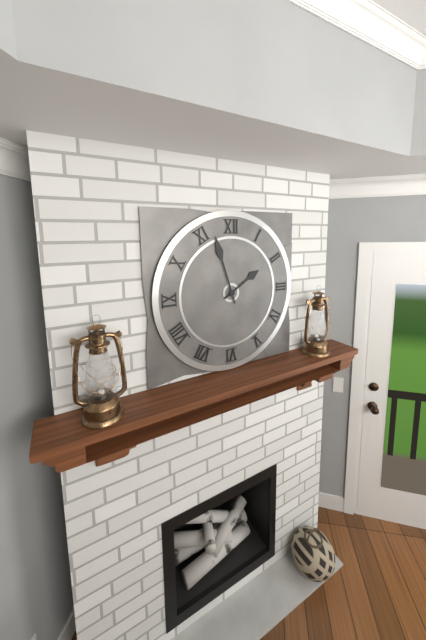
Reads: 1,57
